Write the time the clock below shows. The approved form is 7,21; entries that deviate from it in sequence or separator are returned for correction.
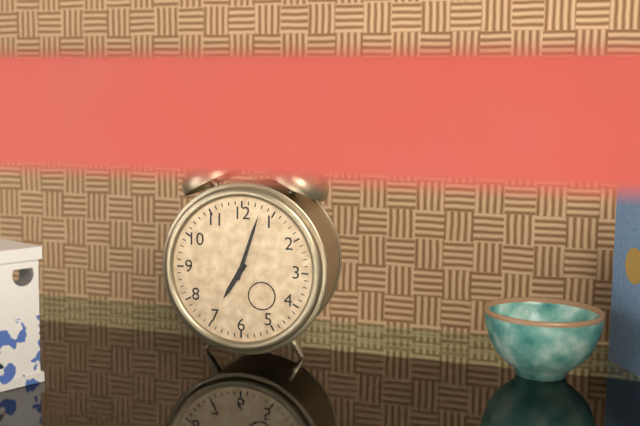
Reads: 7,03
